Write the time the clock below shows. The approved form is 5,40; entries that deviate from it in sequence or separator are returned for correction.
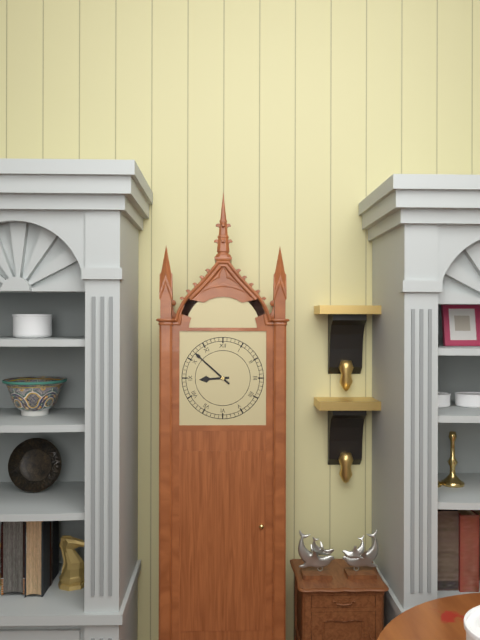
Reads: 8,52
